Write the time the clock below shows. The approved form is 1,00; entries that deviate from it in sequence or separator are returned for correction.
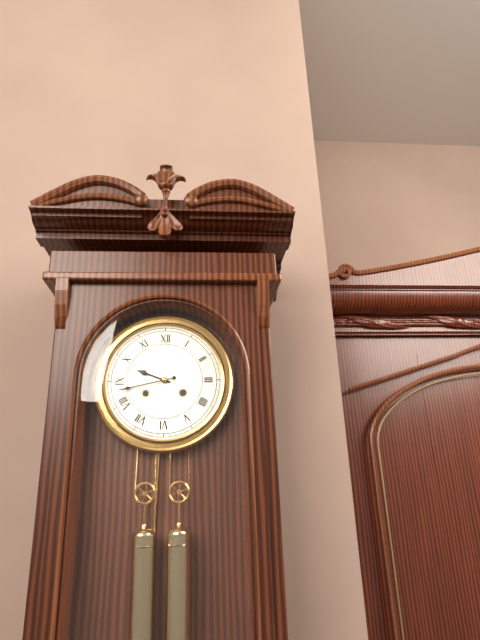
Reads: 9,43
